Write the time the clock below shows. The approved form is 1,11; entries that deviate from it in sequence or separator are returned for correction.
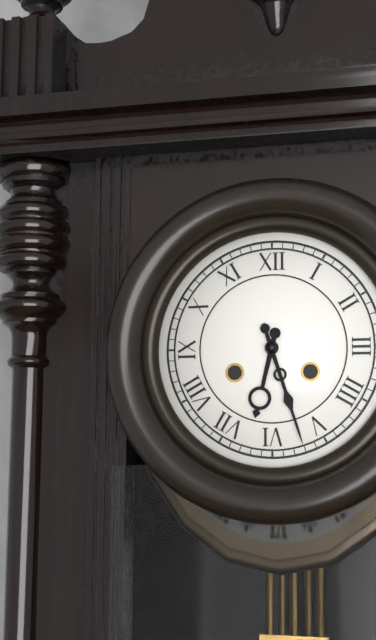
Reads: 6,27
